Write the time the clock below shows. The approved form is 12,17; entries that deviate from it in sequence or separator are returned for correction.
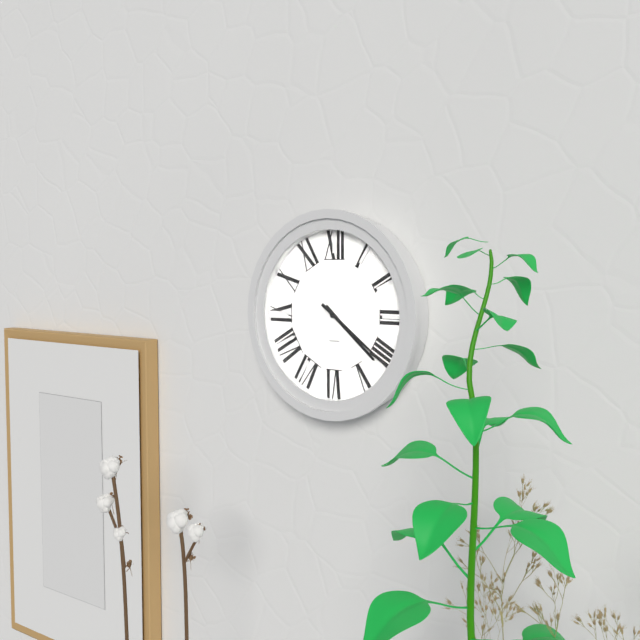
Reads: 4,21
